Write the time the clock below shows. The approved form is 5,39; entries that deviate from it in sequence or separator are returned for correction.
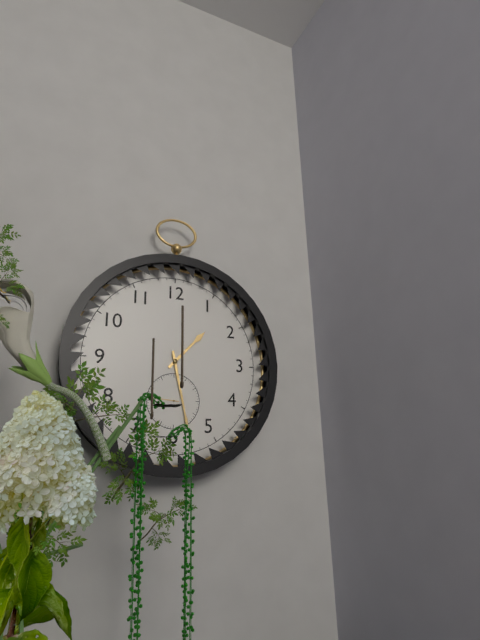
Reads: 1,28
